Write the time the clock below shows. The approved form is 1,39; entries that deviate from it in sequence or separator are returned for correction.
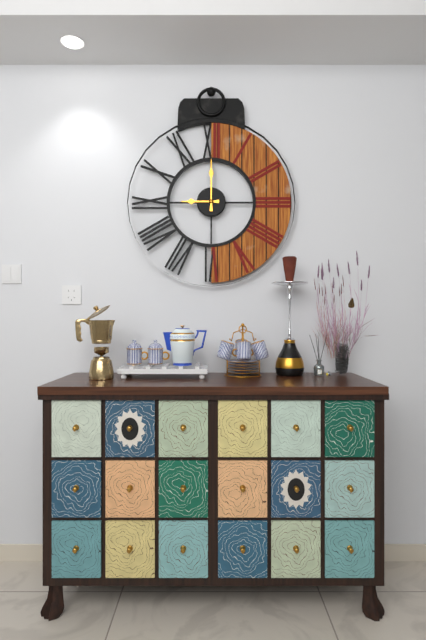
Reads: 9,00
